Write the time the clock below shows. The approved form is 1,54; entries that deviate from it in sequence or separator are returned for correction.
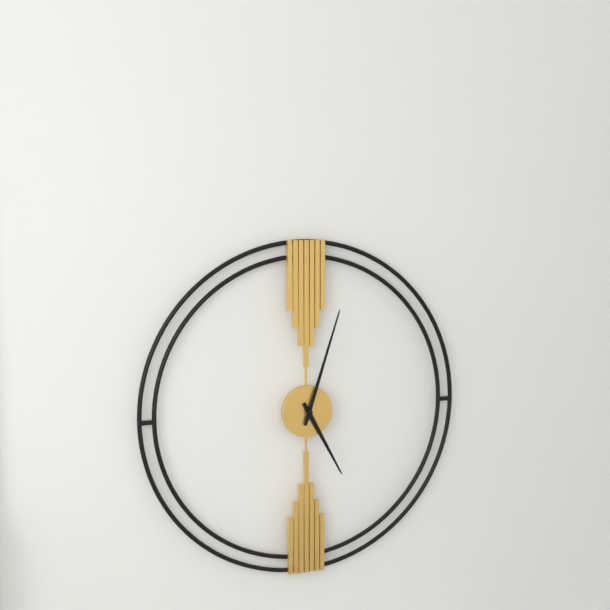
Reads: 5,03
